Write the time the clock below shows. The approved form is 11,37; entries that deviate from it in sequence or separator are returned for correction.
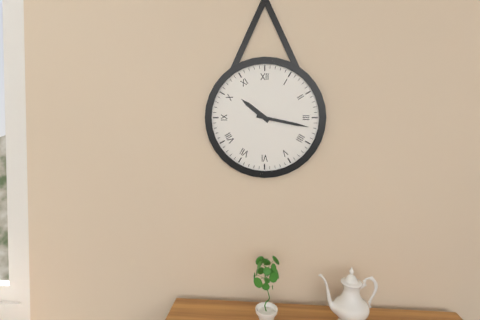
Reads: 10,17
